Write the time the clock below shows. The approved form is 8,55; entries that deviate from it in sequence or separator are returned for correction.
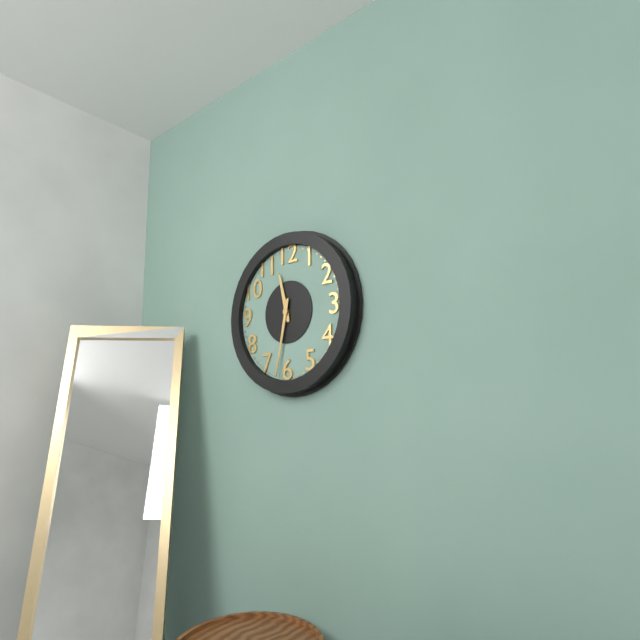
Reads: 11,32
